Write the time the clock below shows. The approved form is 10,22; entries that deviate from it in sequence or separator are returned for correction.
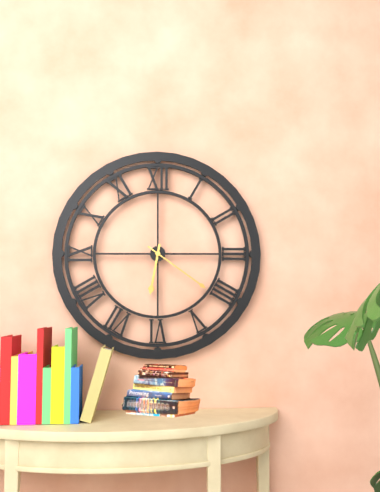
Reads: 6,21
